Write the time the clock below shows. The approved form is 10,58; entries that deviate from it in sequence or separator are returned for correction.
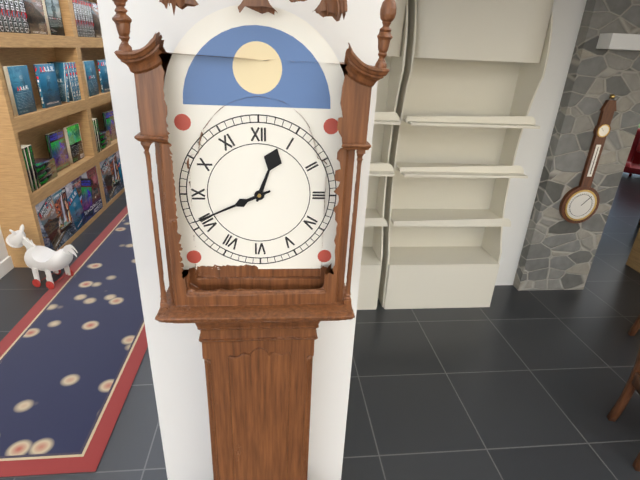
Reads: 12,41
